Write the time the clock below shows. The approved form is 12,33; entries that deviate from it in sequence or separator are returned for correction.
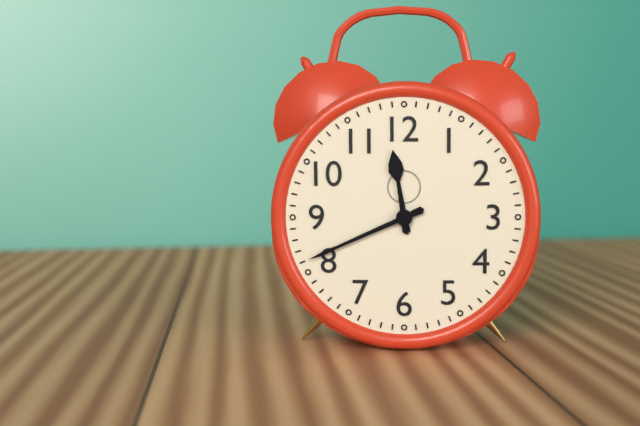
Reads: 11,41
